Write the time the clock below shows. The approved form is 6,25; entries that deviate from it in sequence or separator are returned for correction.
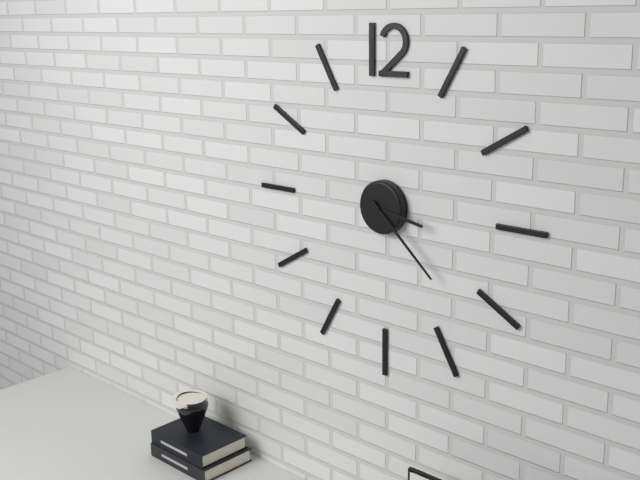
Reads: 3,22
